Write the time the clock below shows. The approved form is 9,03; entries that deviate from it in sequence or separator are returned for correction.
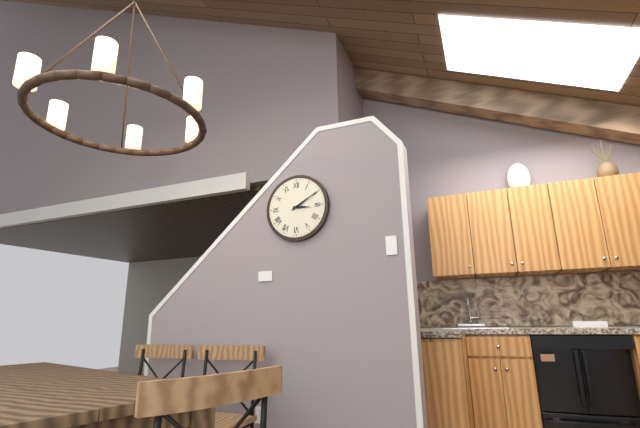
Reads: 3,10
